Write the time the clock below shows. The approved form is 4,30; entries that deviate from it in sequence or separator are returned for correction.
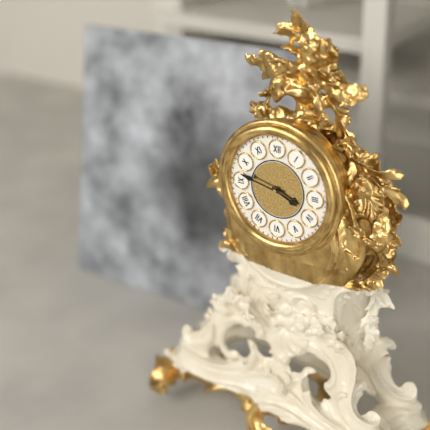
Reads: 3,47
